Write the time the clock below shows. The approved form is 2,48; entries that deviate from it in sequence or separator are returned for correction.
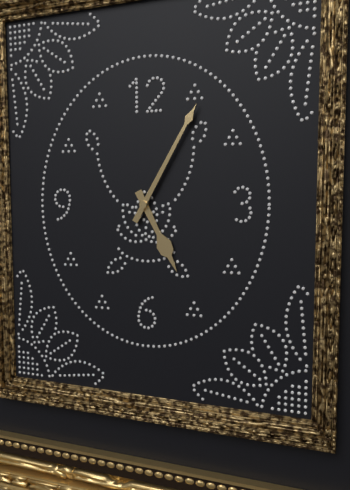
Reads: 5,05
